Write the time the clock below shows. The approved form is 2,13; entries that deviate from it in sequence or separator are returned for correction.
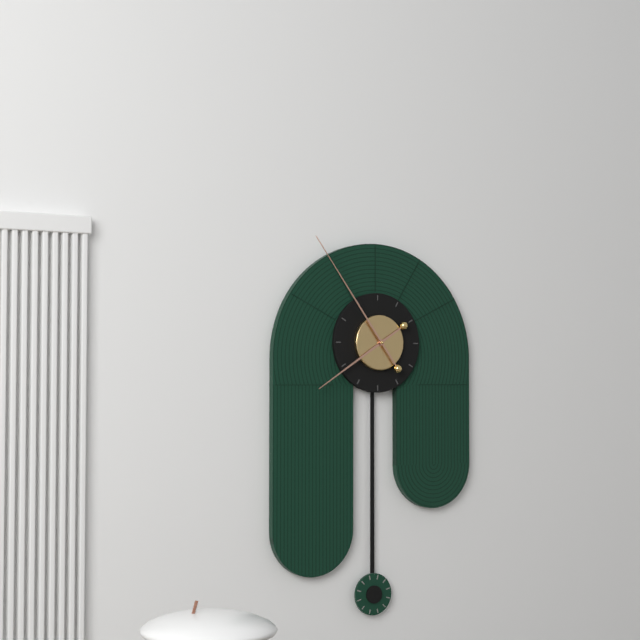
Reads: 7,54
